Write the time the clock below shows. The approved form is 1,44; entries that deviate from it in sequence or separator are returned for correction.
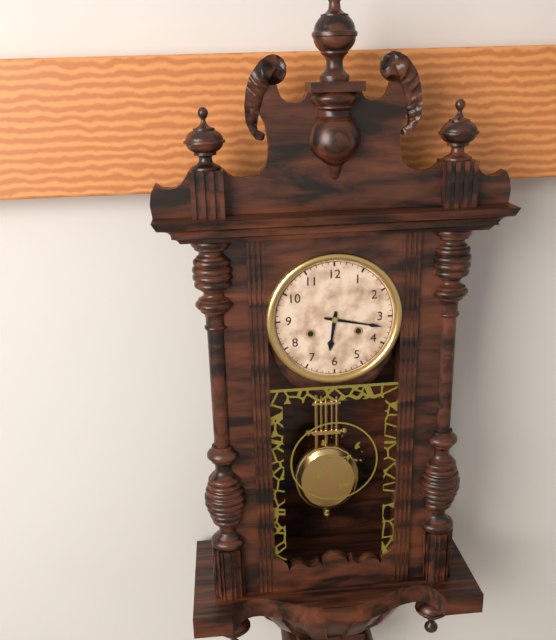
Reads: 6,17
